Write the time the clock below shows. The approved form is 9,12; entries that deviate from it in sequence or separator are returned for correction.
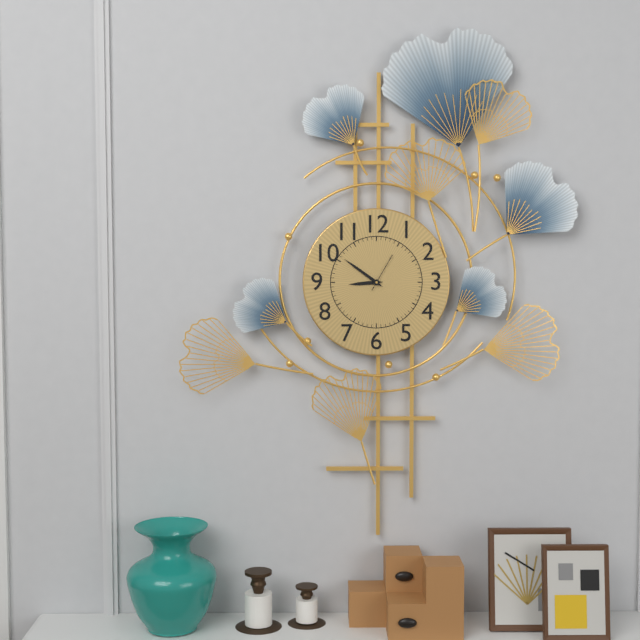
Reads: 8,51
